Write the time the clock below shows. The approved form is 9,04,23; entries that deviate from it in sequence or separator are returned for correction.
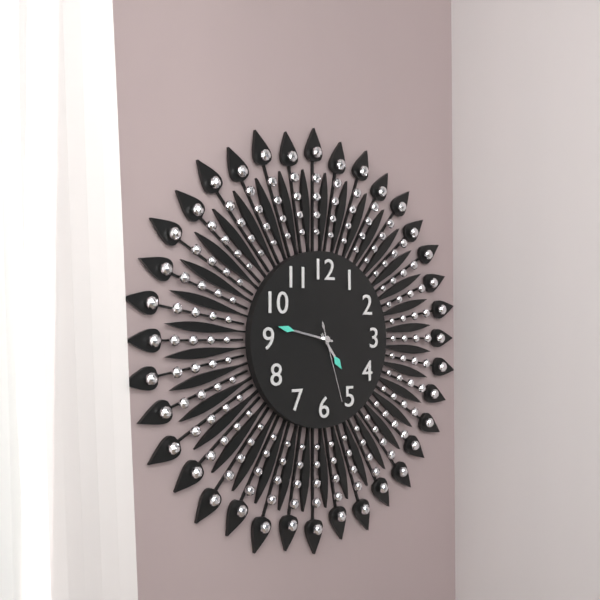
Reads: 4,47,27
